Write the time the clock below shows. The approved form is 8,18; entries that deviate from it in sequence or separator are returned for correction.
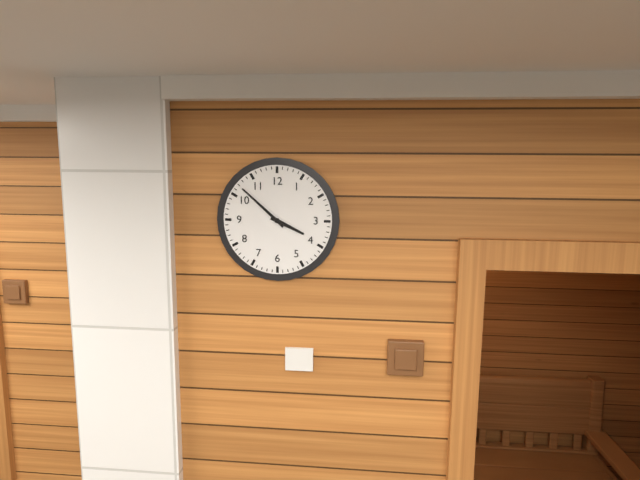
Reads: 3,52
